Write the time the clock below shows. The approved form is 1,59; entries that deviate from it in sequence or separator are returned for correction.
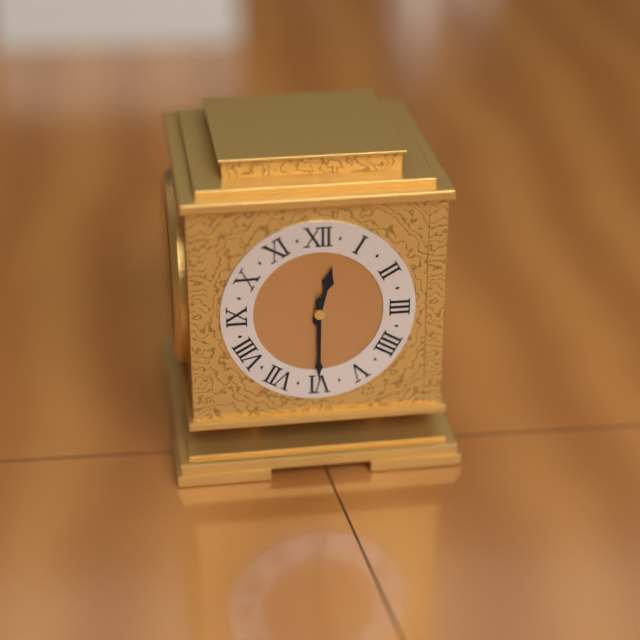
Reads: 12,30
